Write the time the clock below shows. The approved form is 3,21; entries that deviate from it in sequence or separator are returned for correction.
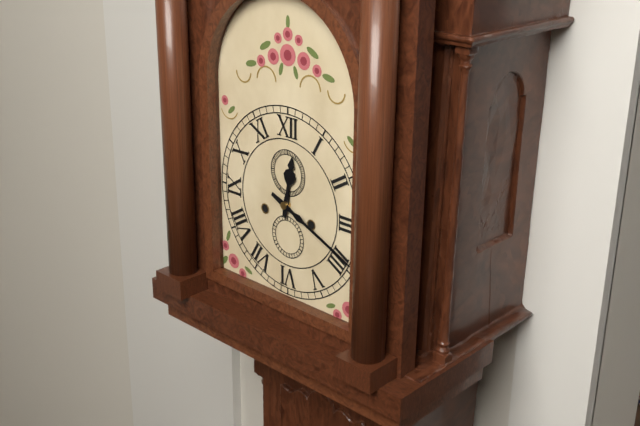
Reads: 12,19
